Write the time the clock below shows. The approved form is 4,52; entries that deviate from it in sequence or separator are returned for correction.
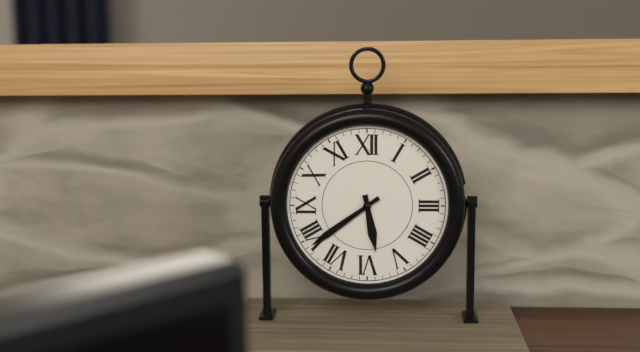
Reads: 5,39
